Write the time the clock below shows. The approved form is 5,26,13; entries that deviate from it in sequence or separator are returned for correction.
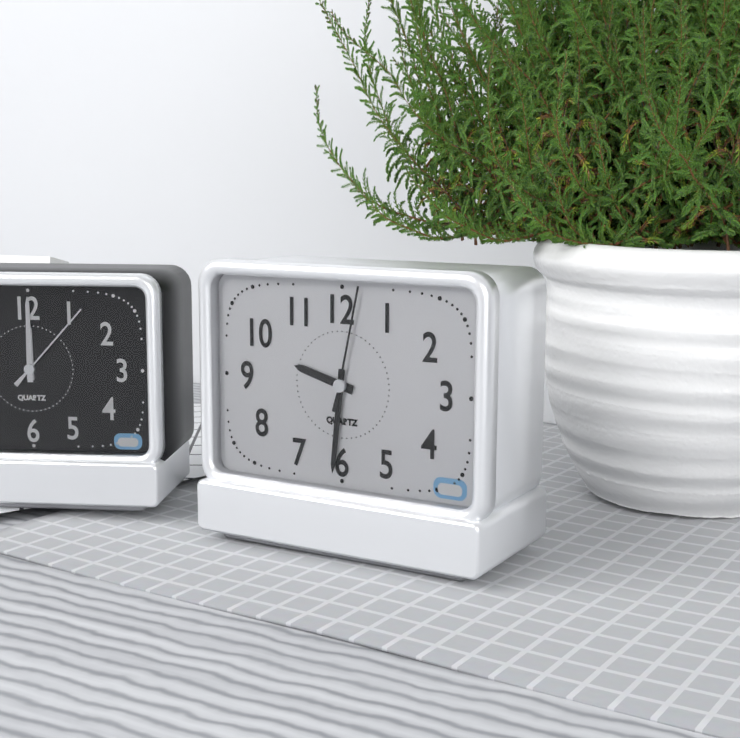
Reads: 9,31,02
